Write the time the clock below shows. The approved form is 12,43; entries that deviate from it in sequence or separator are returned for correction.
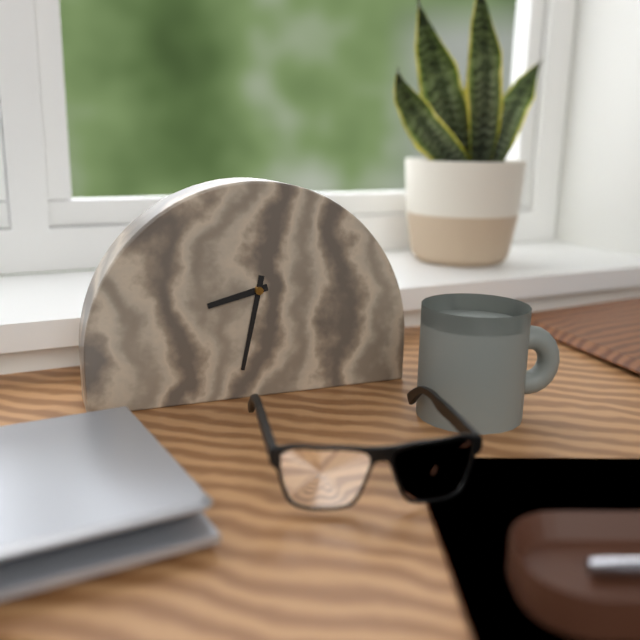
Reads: 8,32
